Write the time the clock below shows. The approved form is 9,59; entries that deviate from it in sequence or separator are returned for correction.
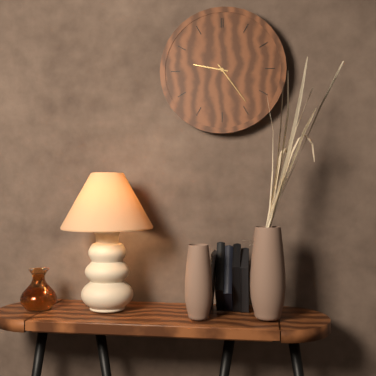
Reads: 9,24
